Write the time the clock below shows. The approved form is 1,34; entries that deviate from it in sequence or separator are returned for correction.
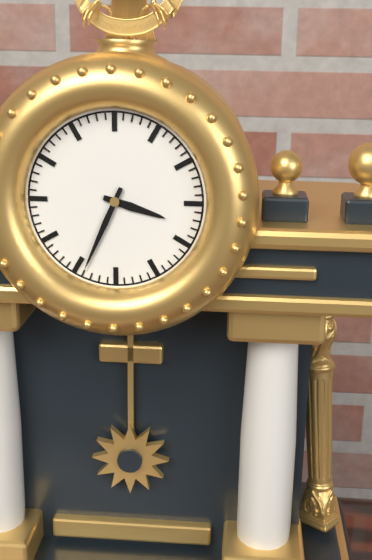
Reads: 3,34
